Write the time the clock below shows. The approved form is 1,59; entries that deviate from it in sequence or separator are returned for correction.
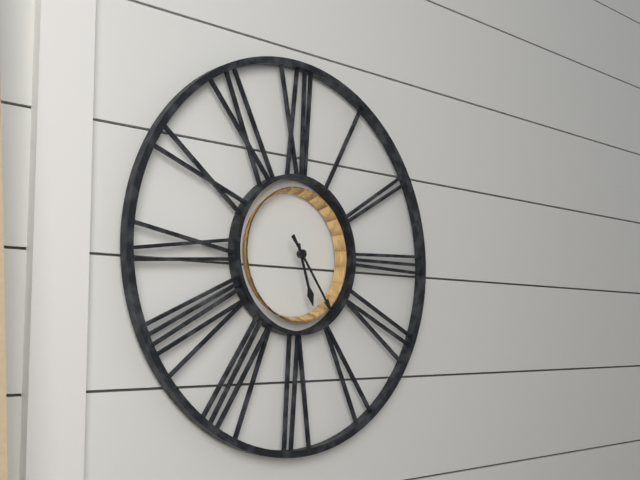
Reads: 5,24
